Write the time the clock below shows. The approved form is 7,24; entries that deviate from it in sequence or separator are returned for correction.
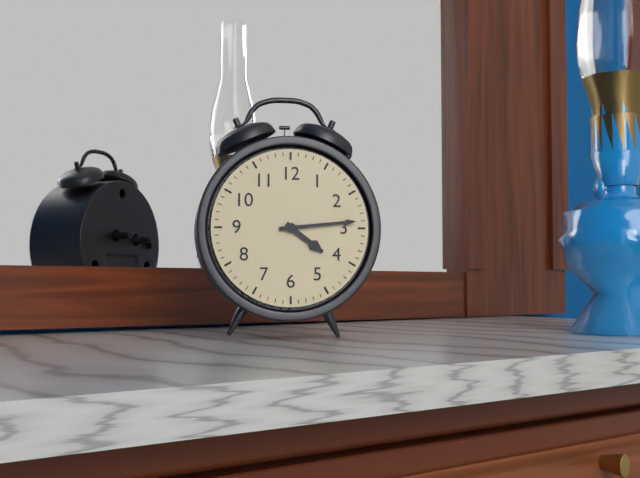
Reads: 4,14
